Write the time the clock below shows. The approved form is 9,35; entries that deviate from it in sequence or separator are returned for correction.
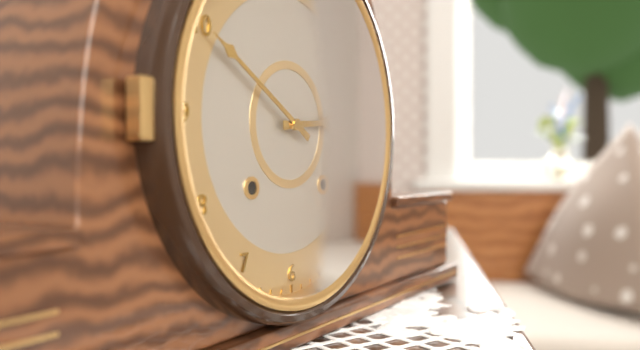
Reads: 2,50
